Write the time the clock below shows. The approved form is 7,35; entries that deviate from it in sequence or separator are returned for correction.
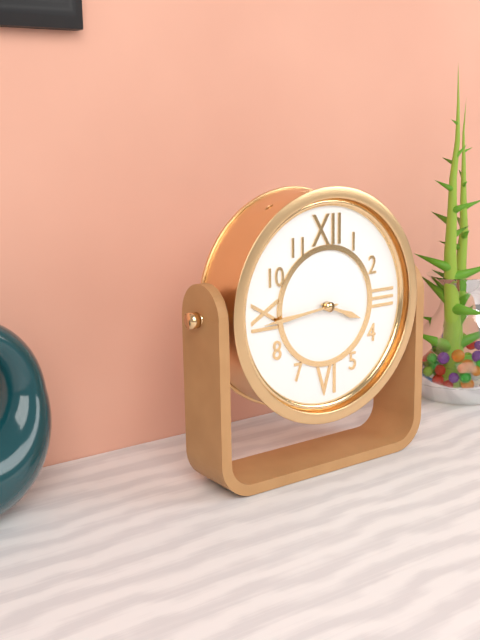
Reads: 3,44
